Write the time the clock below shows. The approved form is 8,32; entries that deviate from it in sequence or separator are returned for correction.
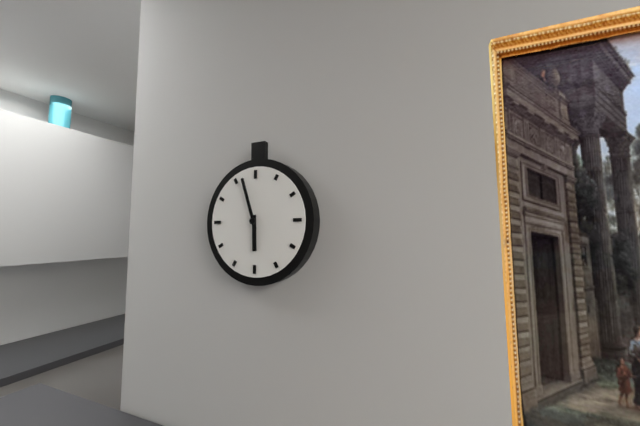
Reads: 5,57
